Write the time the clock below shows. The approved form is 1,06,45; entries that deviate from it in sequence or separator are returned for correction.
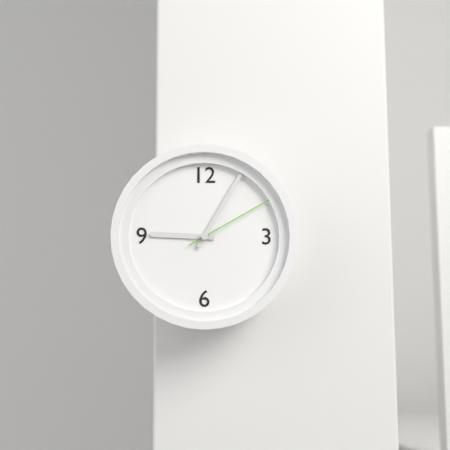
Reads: 9,05,10
